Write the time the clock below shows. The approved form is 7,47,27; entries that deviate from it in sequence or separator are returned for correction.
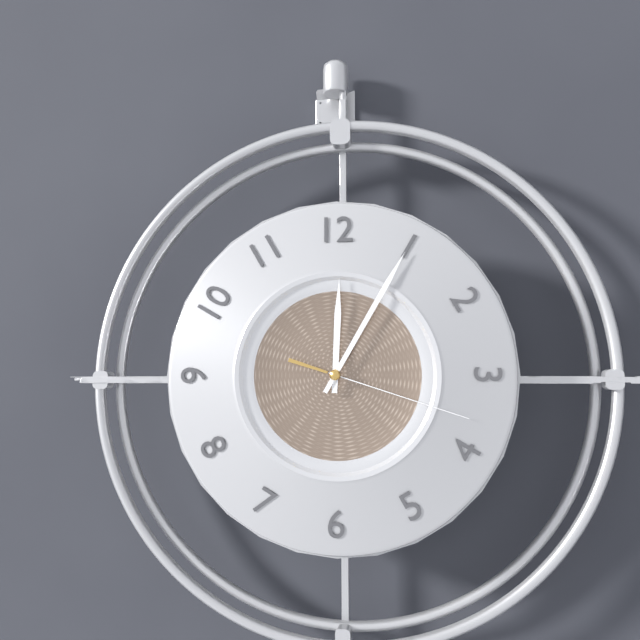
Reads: 12,05,18
